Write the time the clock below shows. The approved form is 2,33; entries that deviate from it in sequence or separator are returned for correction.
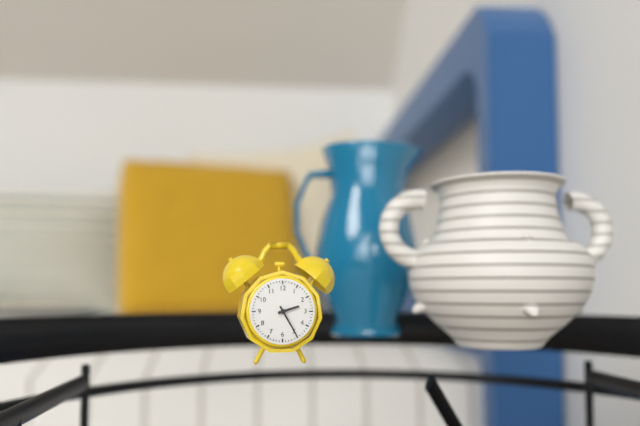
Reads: 2,25
